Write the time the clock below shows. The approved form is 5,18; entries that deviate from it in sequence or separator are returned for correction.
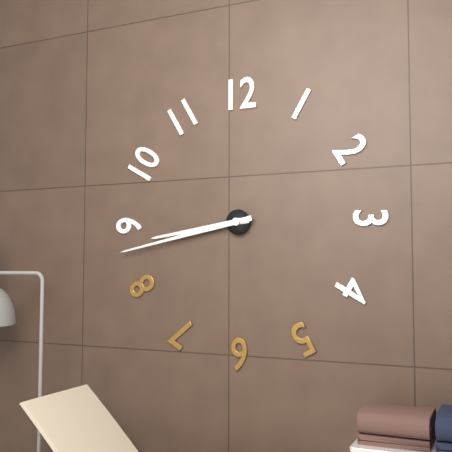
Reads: 8,43
